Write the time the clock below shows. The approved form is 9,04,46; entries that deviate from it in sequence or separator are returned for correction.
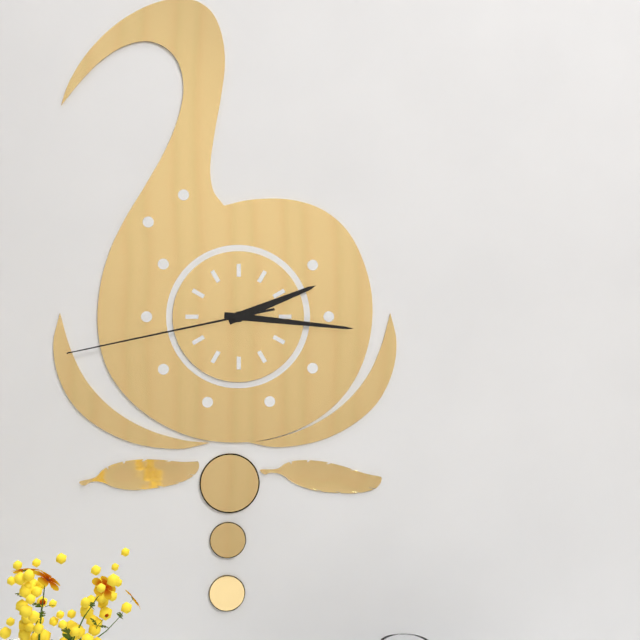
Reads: 2,16,43
